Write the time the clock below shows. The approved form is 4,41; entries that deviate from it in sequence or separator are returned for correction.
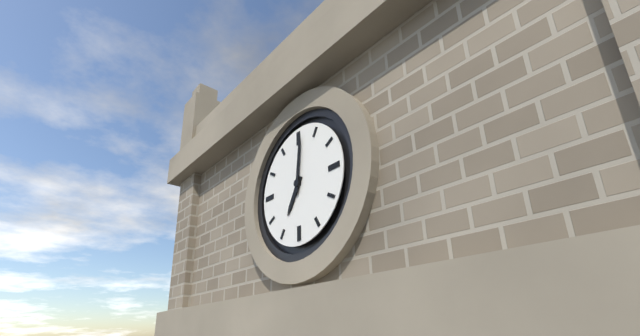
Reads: 7,01
